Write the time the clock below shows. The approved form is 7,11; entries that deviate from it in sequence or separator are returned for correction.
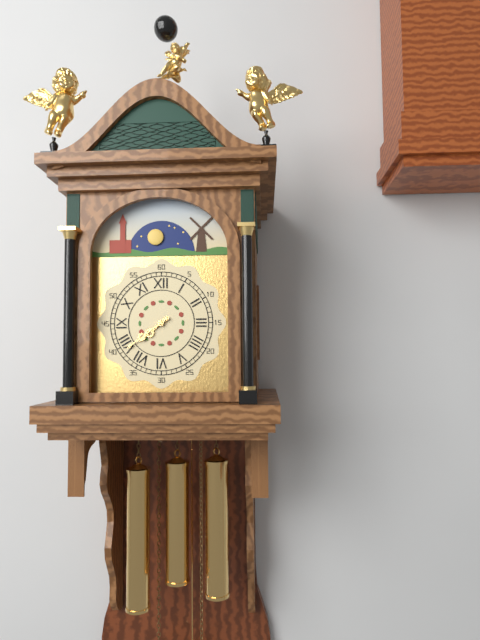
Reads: 7,39
